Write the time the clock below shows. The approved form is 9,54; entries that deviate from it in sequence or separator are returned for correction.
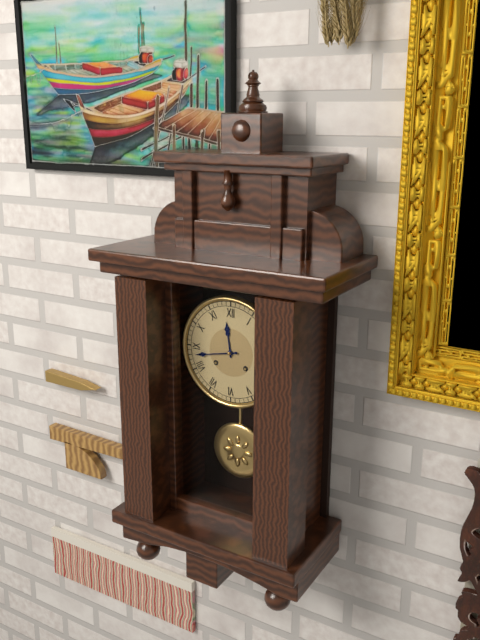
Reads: 11,43
